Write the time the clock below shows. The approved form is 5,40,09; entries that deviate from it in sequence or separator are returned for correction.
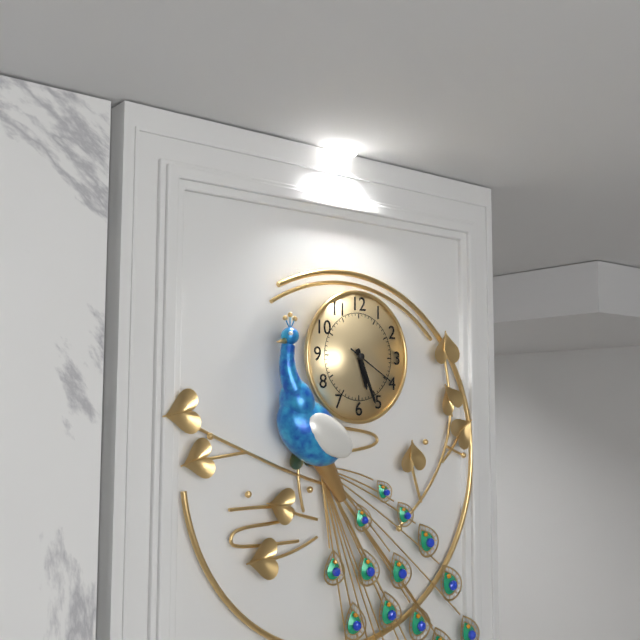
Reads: 5,26,20
